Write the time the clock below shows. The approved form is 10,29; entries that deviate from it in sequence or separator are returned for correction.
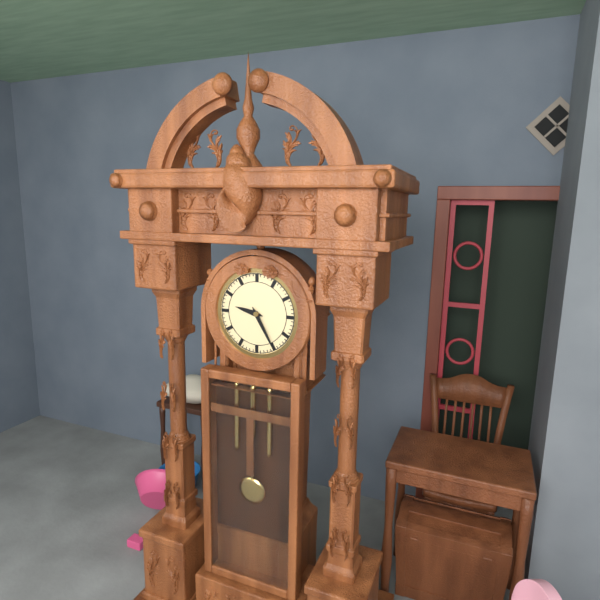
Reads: 9,25
